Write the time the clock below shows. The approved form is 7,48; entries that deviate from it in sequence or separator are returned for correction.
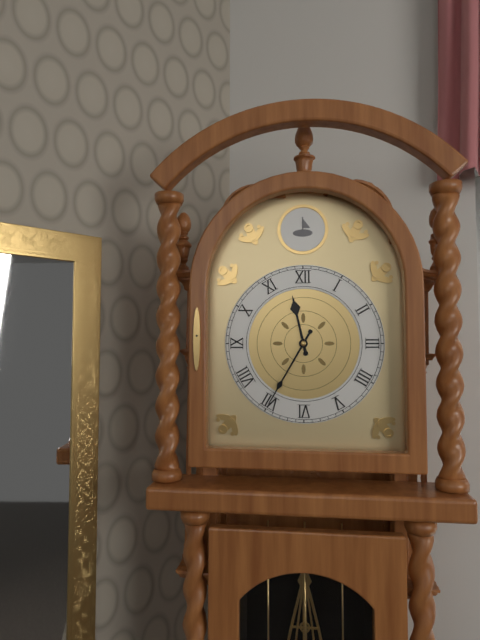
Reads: 11,35
